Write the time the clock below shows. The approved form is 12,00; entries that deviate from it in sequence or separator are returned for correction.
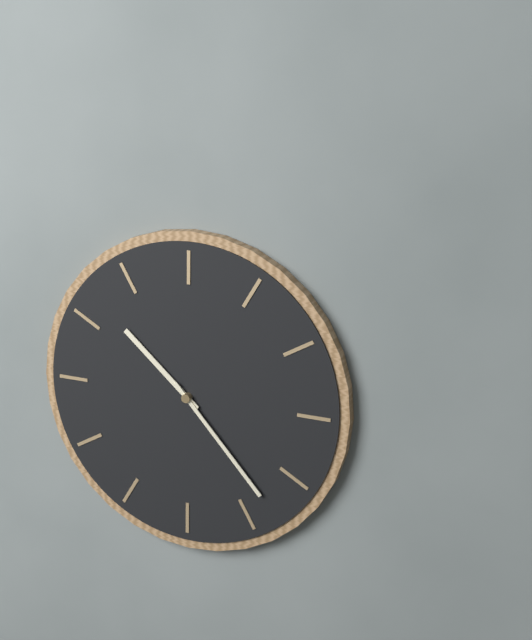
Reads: 10,23
